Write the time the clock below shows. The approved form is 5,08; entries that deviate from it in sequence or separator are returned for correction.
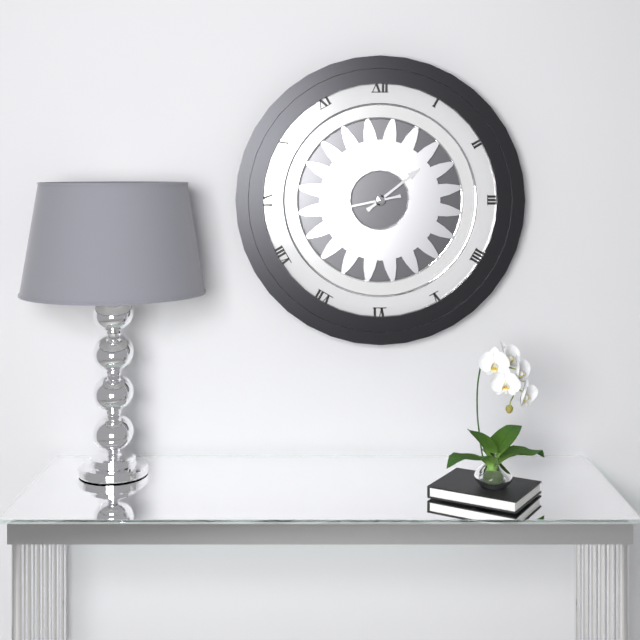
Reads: 1,43
